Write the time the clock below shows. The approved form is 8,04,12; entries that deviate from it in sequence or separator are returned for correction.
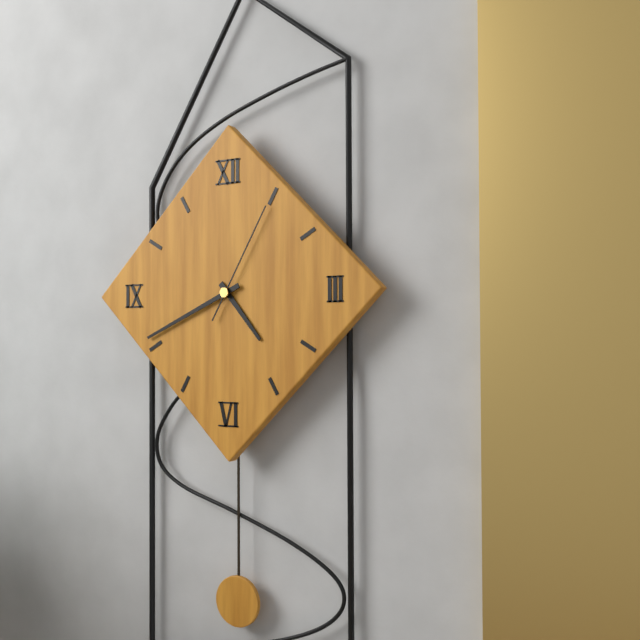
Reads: 4,41,05
